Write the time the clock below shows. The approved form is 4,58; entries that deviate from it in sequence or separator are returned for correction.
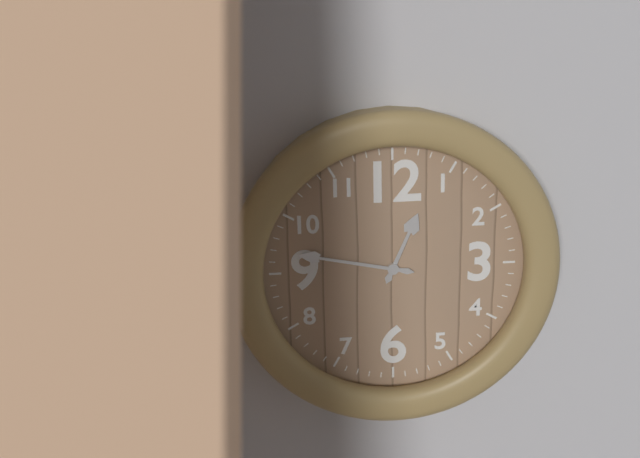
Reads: 12,47
